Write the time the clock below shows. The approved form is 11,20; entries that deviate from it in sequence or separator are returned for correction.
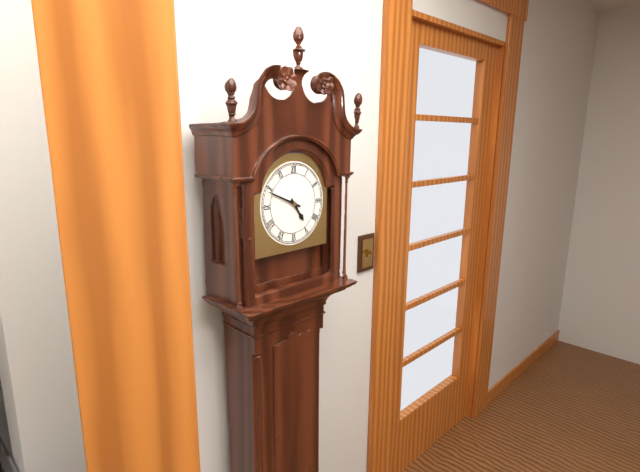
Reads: 4,49
